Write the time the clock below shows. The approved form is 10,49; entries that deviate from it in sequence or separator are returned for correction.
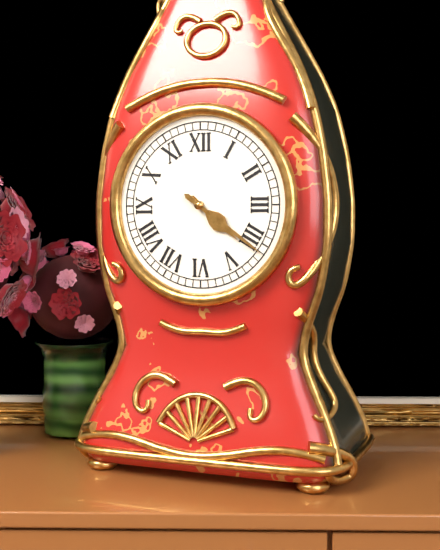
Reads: 4,21
